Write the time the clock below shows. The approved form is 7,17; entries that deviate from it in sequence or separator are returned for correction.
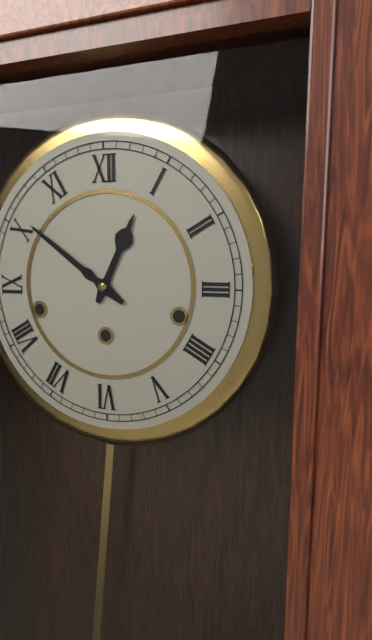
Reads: 12,51
